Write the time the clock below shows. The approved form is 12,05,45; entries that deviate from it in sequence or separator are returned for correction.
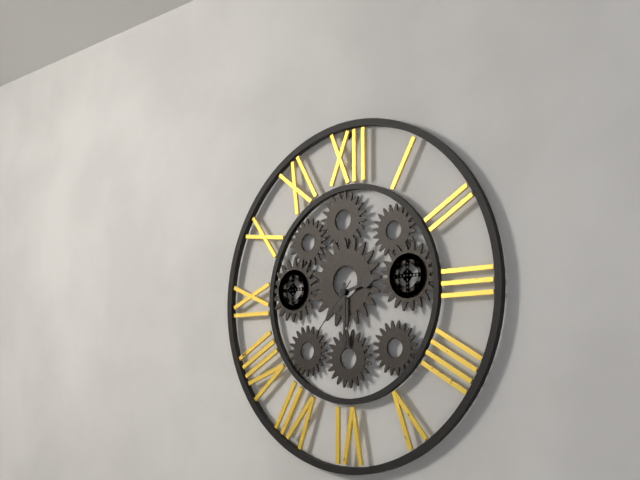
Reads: 2,30,37
